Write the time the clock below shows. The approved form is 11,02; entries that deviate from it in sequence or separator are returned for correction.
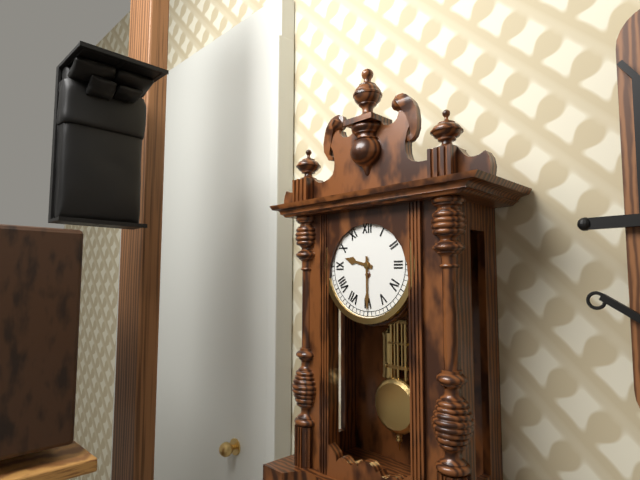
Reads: 9,30
